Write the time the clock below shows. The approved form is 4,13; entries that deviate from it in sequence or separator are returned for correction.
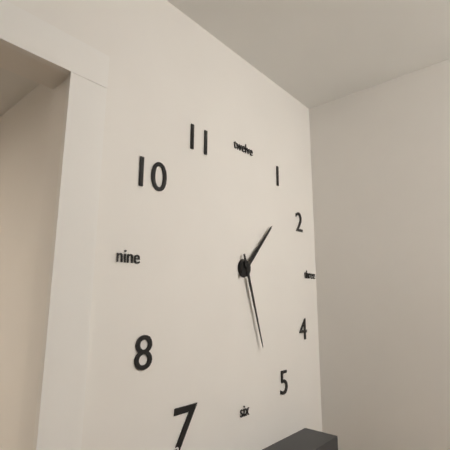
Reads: 1,27
